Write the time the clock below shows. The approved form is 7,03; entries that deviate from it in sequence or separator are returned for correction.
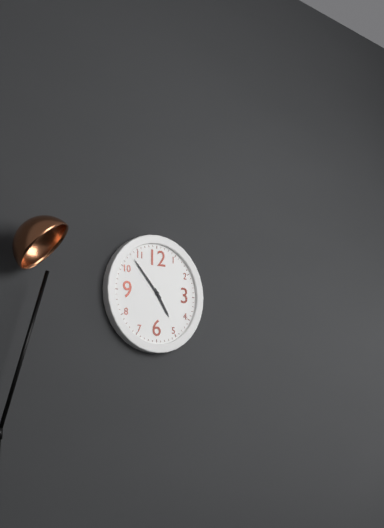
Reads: 4,53
